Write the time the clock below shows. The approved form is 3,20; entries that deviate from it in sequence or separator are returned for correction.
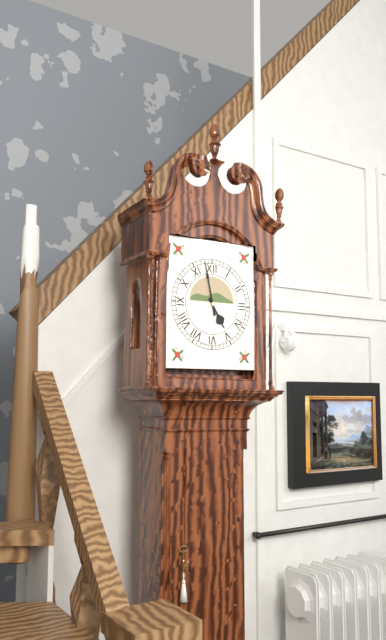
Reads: 4,58
